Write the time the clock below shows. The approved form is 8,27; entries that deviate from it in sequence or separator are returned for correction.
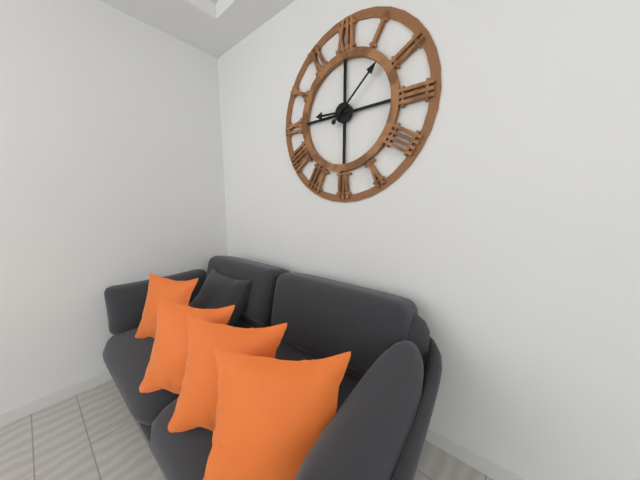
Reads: 9,08
